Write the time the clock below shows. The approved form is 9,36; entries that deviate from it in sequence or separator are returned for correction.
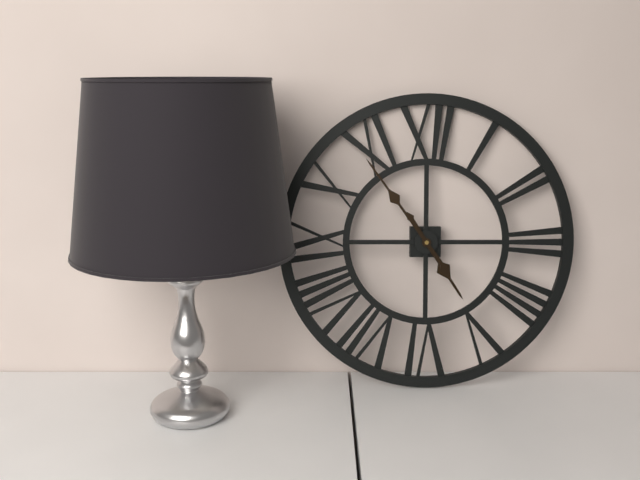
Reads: 4,54
